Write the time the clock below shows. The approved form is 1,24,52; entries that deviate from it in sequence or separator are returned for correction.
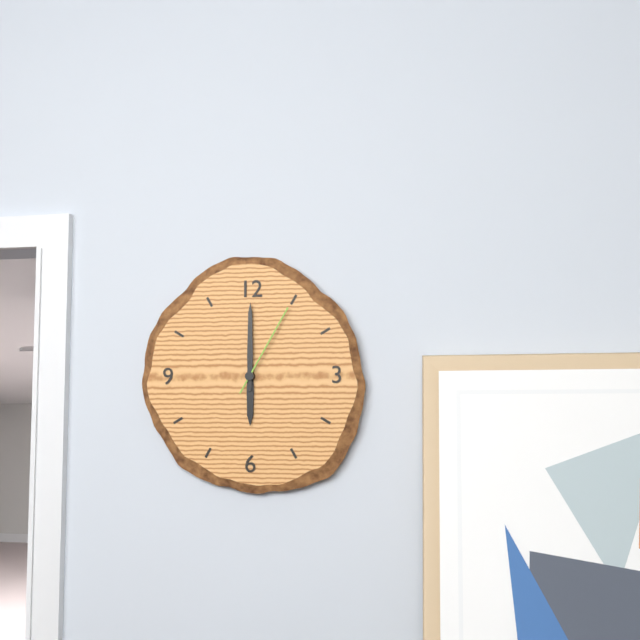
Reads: 6,00,05
